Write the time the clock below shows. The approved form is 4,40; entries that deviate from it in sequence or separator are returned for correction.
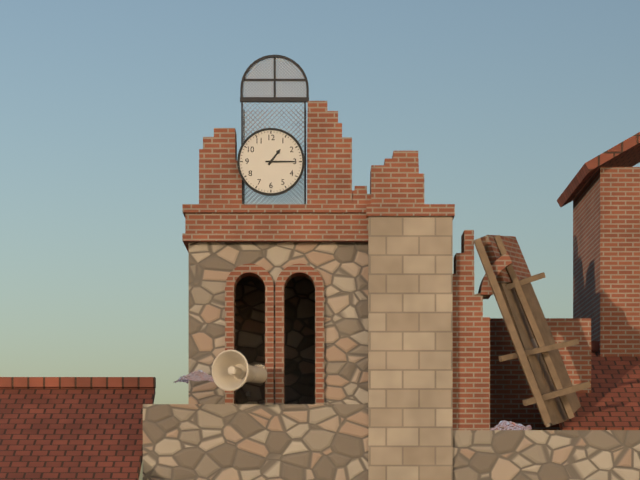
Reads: 1,15
